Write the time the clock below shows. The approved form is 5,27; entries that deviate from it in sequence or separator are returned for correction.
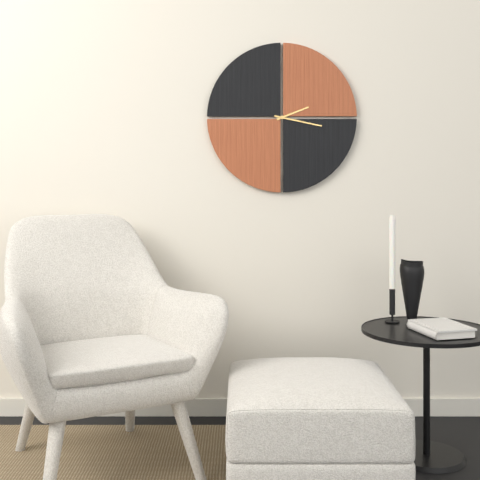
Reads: 2,17
